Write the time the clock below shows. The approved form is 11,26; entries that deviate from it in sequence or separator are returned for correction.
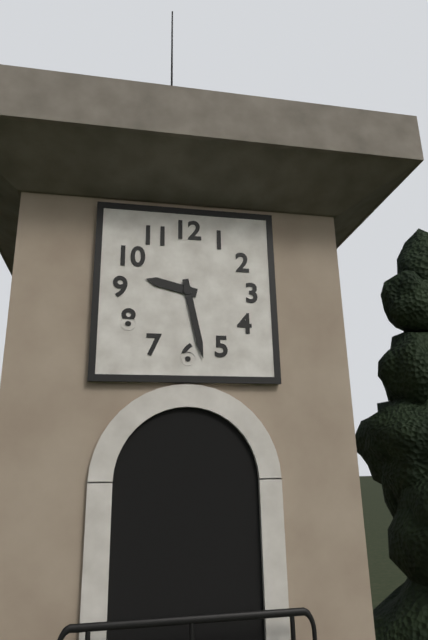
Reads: 9,28
